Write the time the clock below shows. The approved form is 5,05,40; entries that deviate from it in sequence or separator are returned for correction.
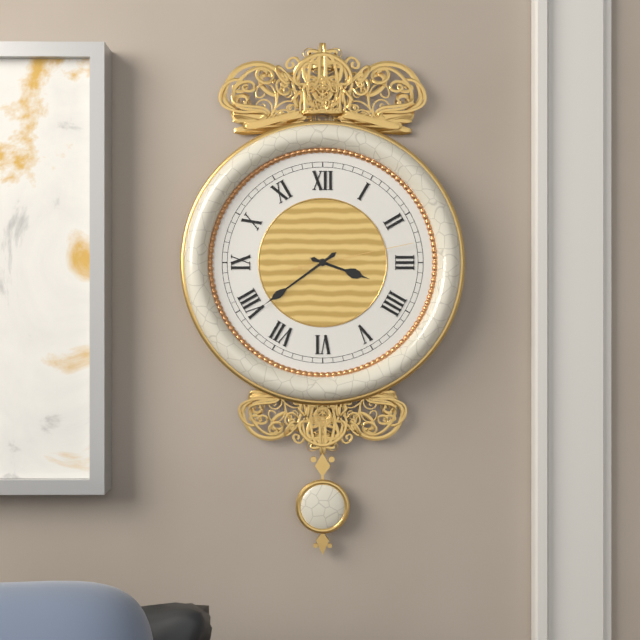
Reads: 3,39,13
